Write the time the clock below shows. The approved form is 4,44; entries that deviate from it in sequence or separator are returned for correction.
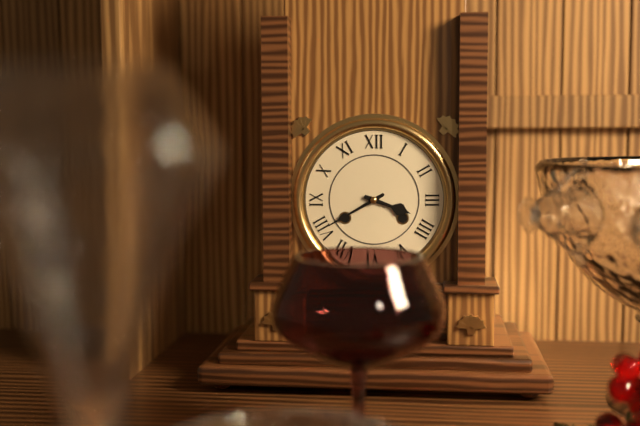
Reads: 3,40
